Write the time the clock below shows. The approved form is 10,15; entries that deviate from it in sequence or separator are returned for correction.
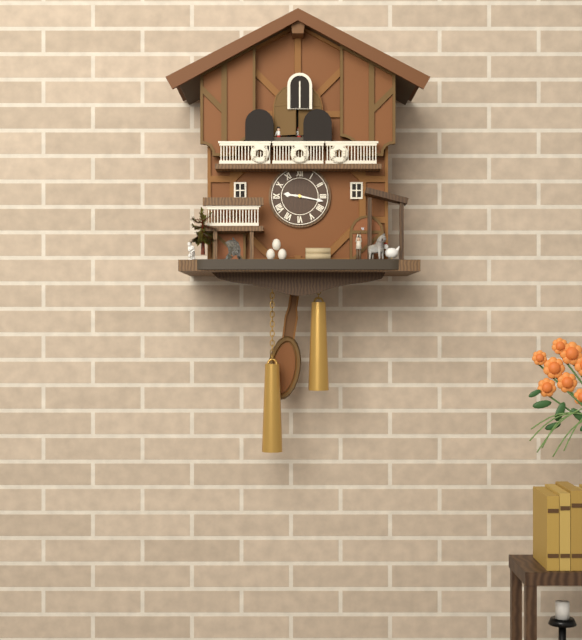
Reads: 9,17
